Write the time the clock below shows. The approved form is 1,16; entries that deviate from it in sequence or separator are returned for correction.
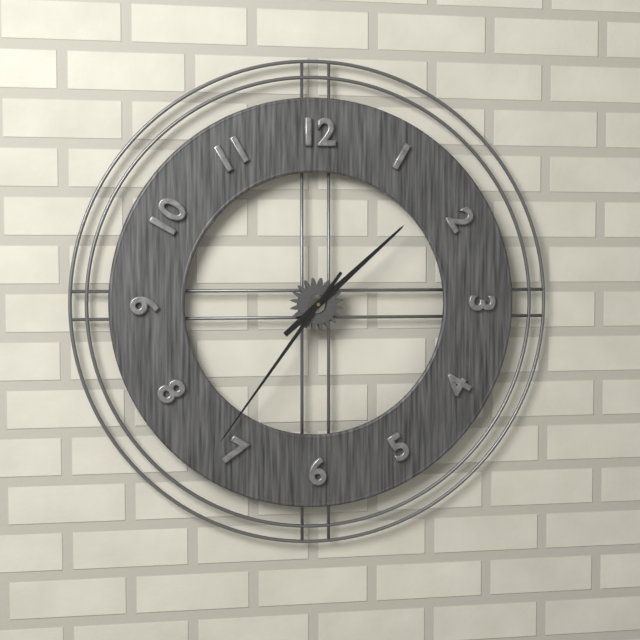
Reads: 1,36
